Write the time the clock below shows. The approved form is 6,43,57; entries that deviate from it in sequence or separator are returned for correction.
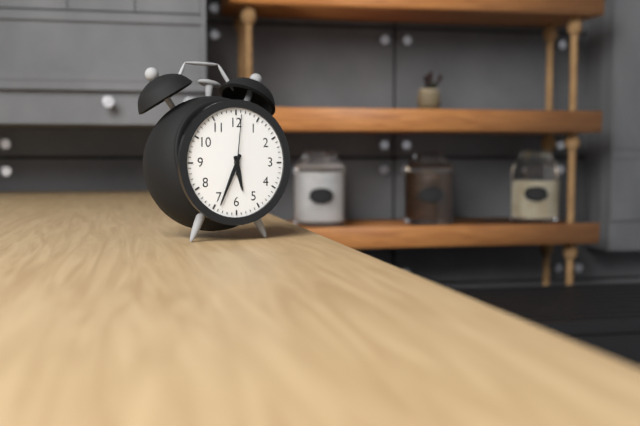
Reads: 5,34,01
